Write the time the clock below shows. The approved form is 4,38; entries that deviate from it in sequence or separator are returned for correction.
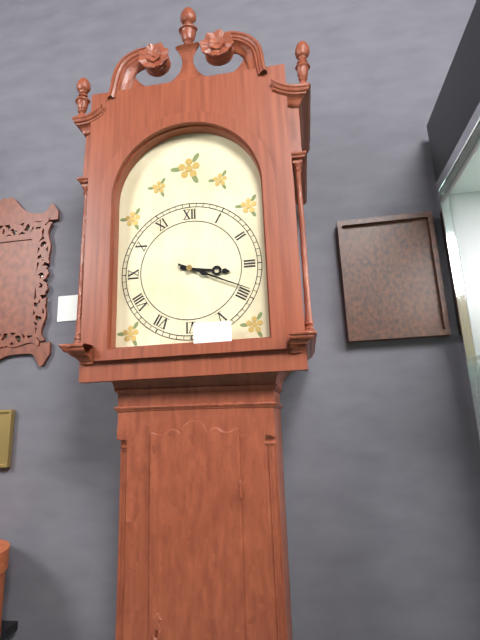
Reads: 3,19
